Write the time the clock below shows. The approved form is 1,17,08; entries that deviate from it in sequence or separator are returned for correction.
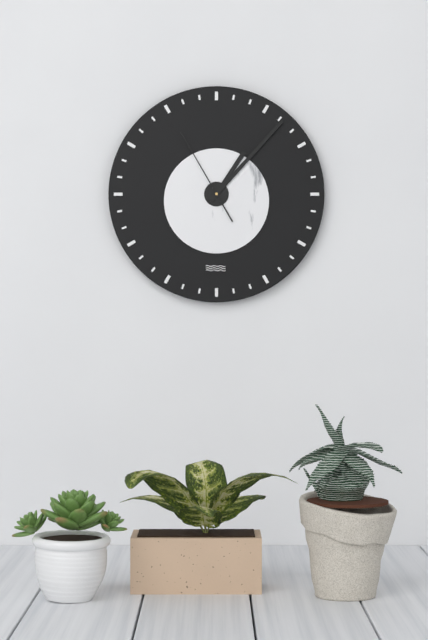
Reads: 1,07,55
